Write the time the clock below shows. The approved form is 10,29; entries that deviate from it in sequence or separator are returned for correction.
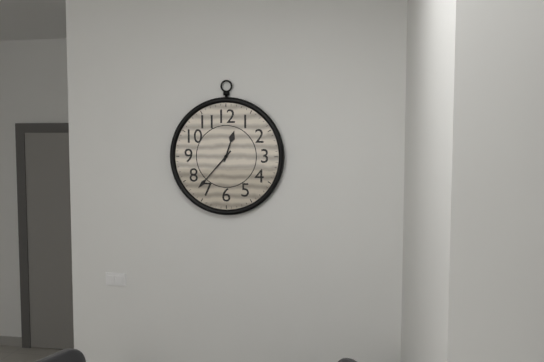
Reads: 12,37
